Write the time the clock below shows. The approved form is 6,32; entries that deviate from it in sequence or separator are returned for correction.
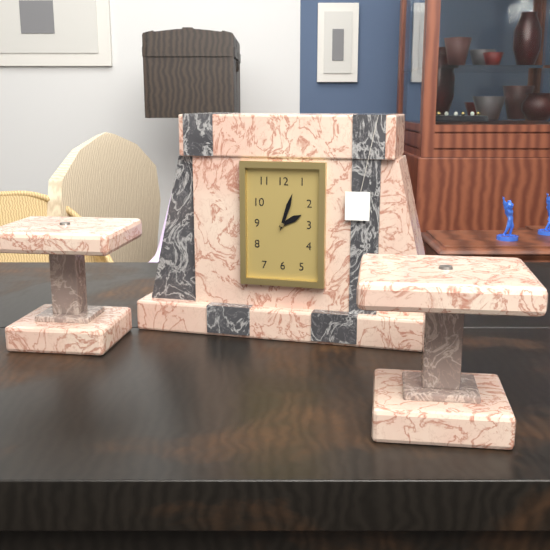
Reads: 2,03
